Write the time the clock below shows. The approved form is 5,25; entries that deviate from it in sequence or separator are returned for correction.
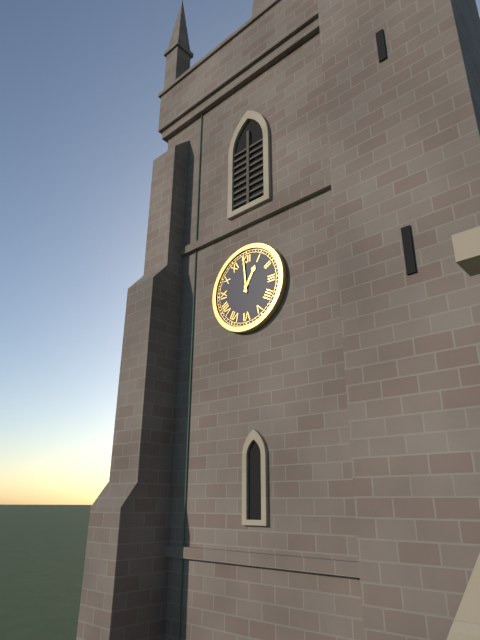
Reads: 12,59
